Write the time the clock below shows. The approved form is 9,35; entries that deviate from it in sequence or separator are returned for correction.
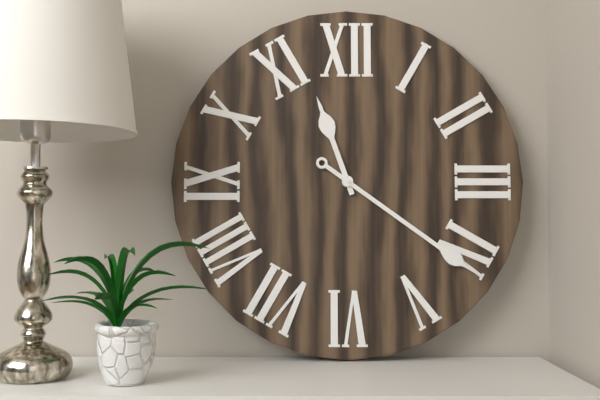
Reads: 11,21
